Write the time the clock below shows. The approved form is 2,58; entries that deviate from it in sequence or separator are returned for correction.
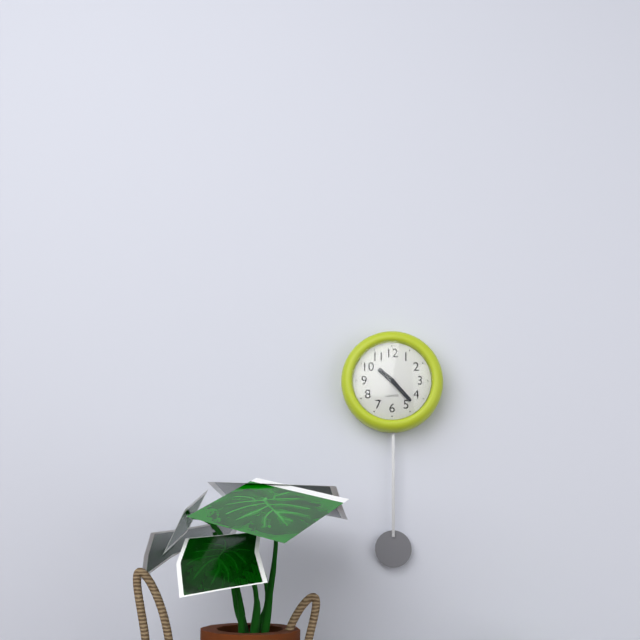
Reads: 10,23
